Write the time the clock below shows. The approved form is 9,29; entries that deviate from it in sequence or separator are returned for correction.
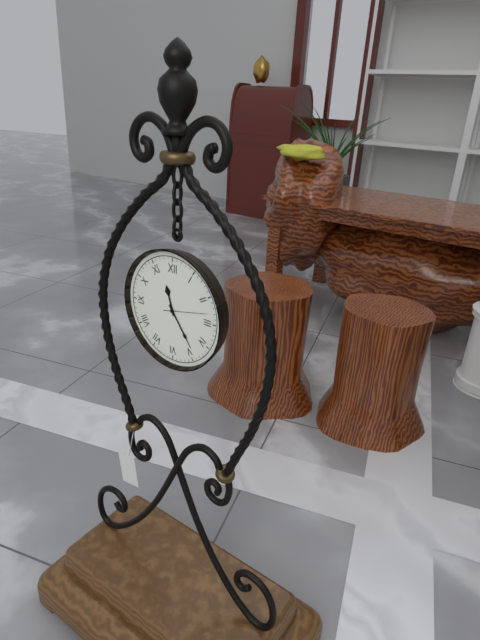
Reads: 11,24
